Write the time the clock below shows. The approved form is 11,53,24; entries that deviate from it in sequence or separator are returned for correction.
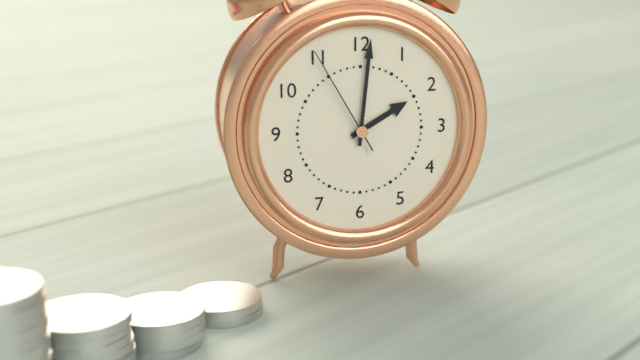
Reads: 2,01,55
